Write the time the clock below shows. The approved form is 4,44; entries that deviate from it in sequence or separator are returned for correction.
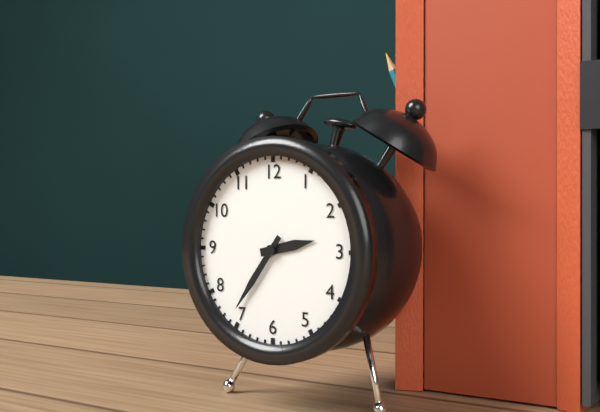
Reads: 2,36
